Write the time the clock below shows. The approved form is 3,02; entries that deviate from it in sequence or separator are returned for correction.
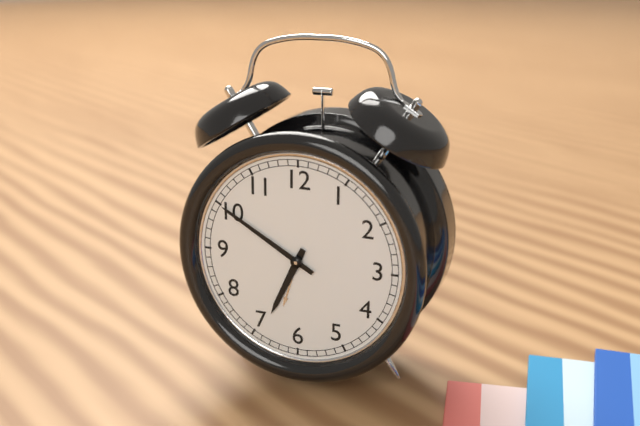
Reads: 6,50
